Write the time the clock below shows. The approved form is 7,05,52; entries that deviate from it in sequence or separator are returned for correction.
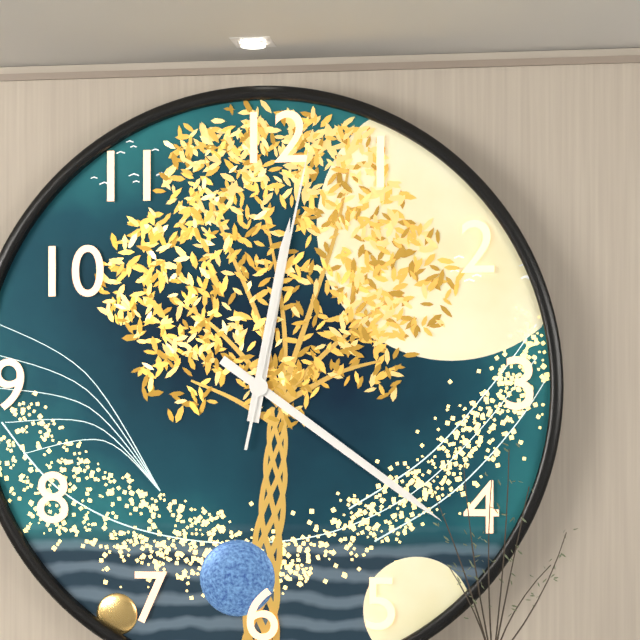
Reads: 12,21,02
